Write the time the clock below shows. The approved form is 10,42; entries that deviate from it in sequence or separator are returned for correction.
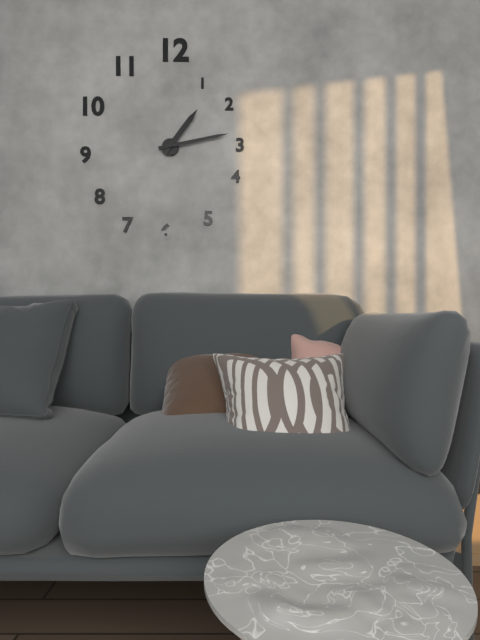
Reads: 1,13
